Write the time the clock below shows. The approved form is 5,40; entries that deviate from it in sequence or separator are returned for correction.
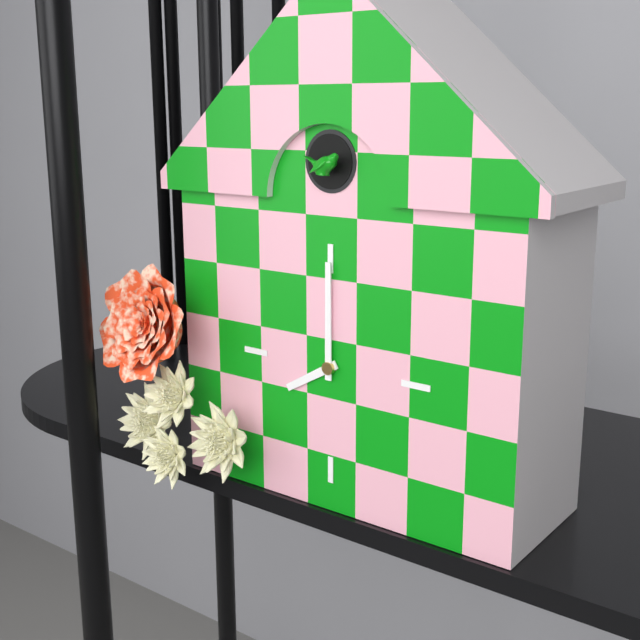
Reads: 8,00
